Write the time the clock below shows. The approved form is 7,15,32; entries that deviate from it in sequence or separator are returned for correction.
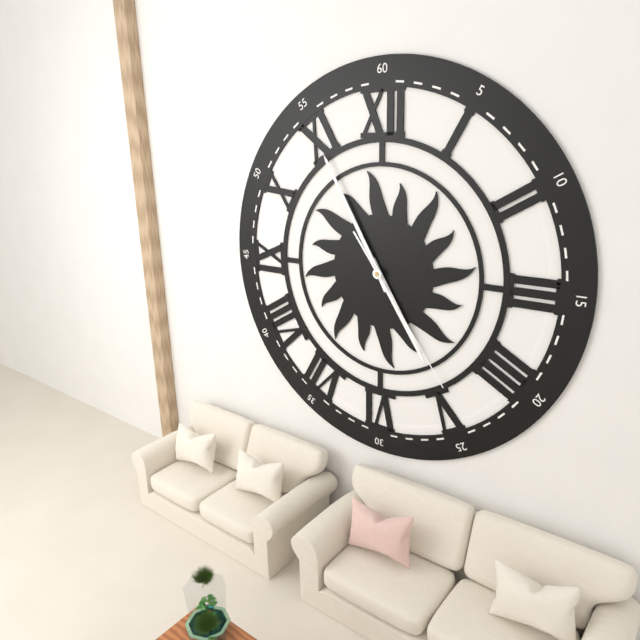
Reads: 4,55,24
